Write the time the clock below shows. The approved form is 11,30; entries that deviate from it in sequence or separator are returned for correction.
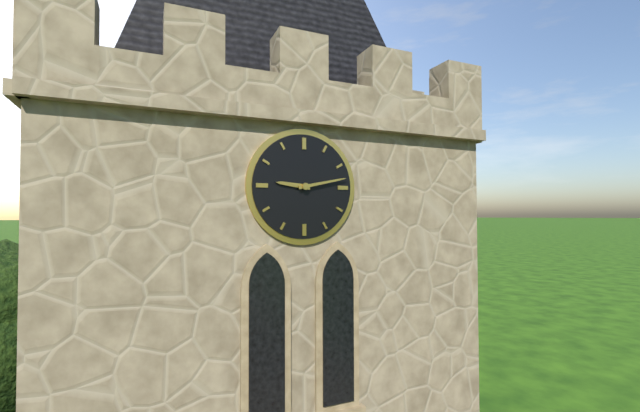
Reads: 9,13
